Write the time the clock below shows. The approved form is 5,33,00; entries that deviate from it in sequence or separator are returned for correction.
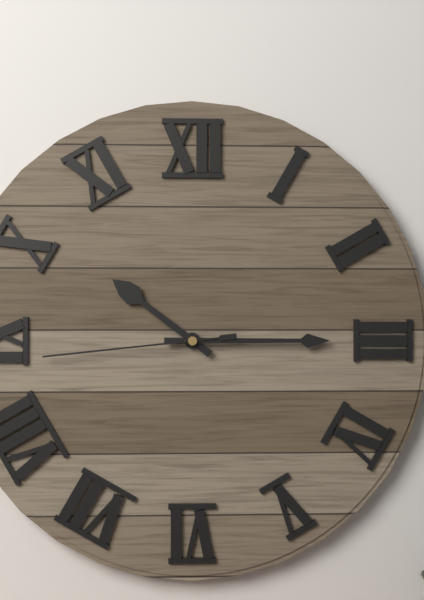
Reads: 10,15,44
